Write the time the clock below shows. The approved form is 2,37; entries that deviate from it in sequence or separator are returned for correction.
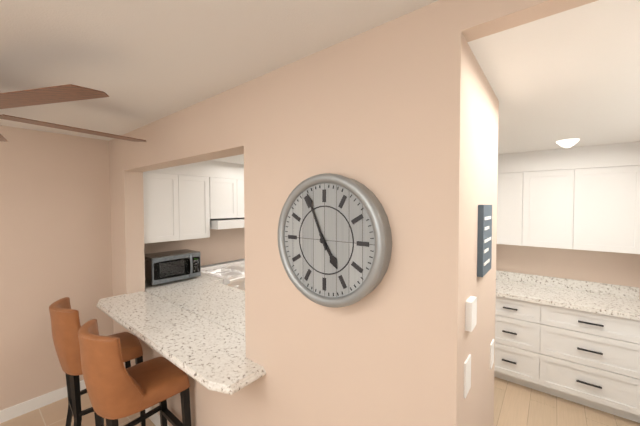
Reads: 4,56
